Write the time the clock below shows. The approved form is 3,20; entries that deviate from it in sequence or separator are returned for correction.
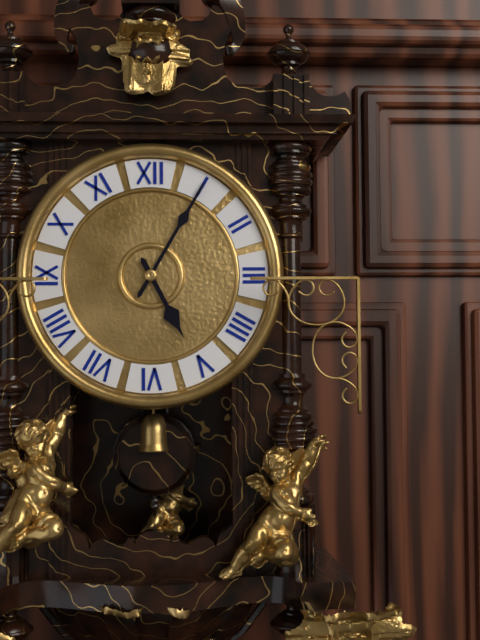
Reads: 5,05
